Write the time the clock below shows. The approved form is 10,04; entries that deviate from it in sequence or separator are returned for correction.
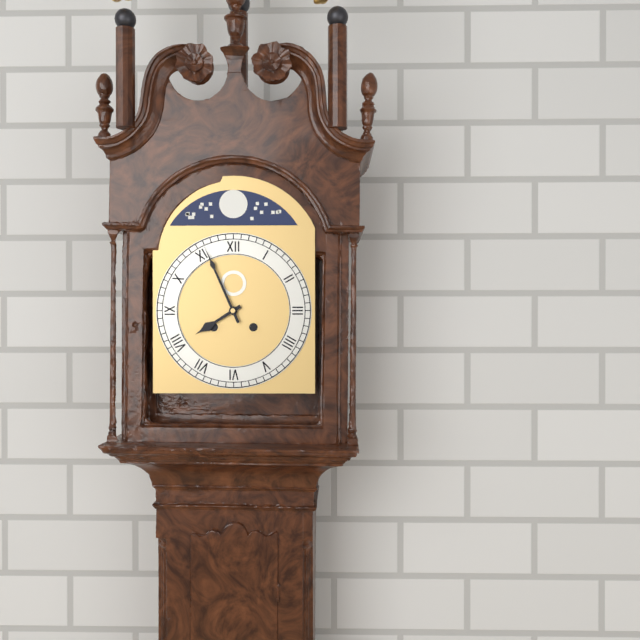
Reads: 7,56
